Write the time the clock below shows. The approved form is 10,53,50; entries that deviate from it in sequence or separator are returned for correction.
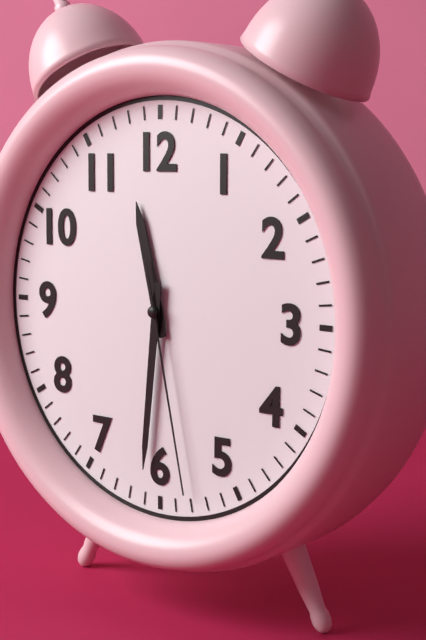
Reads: 11,31,28
